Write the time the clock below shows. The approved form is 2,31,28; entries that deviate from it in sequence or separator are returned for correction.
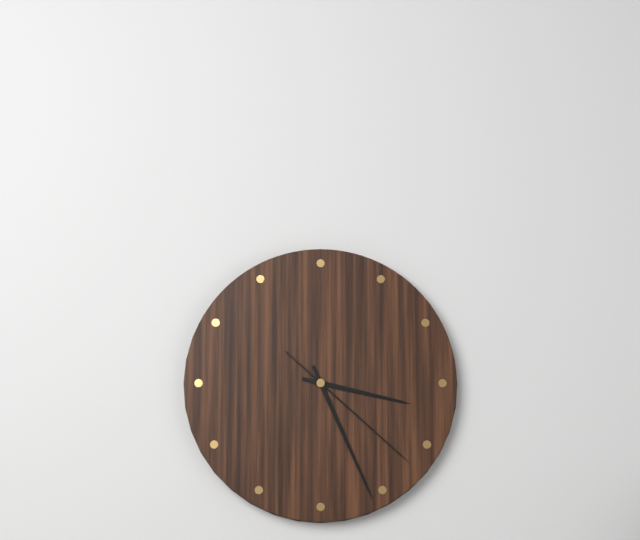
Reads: 3,26,22
